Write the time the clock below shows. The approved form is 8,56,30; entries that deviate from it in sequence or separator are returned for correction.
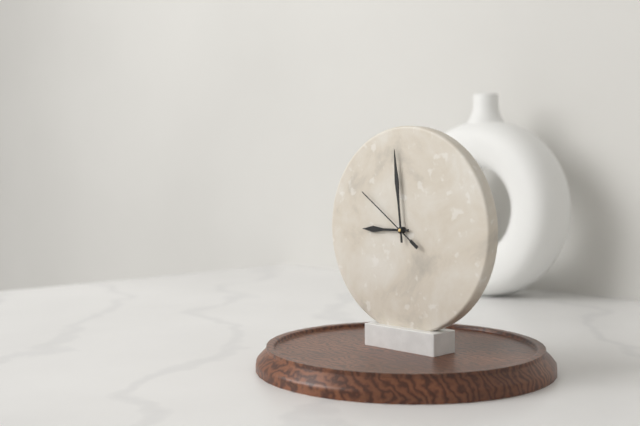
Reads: 8,59,51
